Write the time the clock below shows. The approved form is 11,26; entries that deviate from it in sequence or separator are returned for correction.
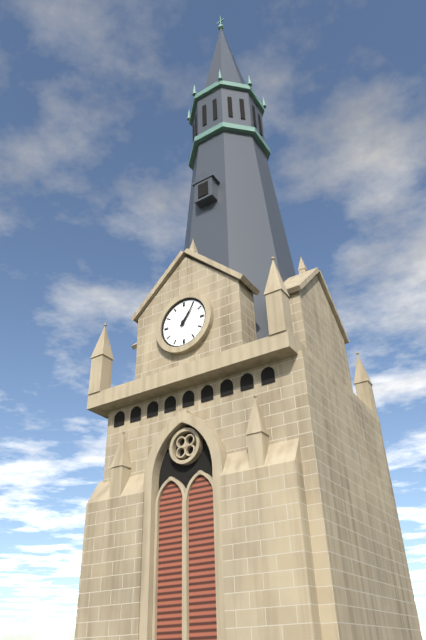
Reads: 1,06
